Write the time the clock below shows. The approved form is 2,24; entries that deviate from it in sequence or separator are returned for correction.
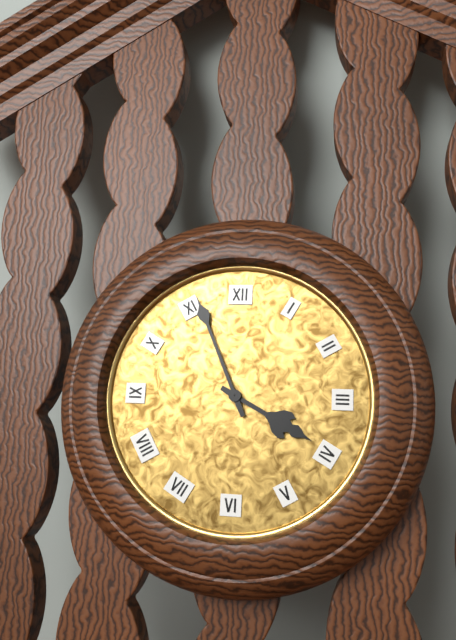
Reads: 3,56
